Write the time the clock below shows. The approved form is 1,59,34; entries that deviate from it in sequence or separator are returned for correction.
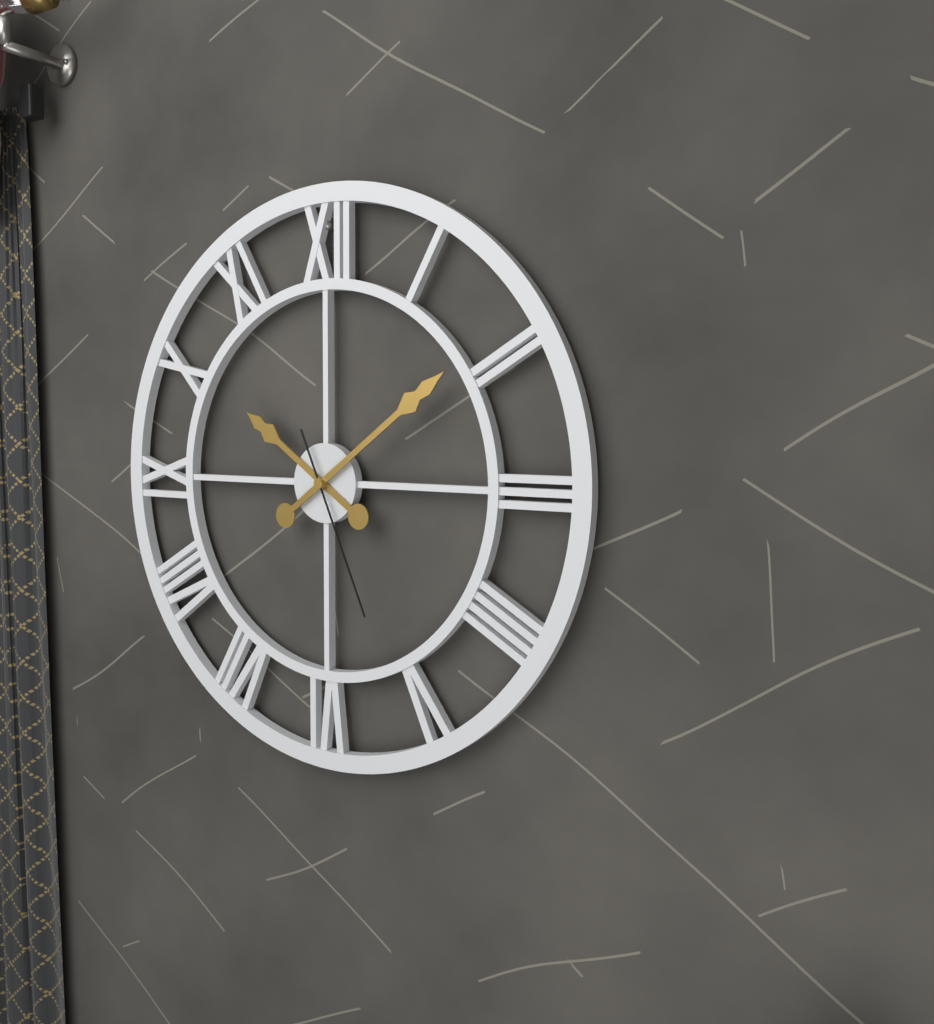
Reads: 10,09,26
